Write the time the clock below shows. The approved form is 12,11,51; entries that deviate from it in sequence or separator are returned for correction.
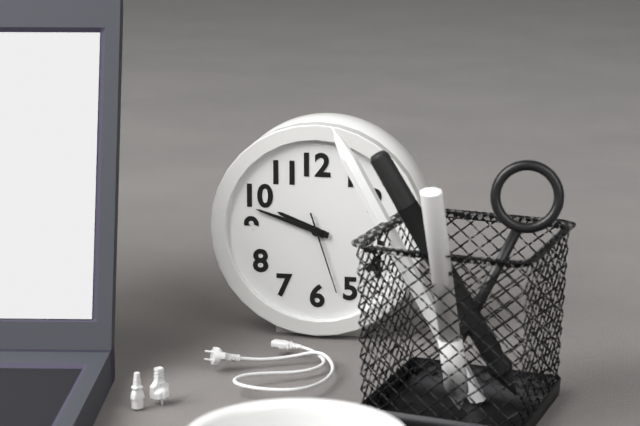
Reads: 9,48,27
